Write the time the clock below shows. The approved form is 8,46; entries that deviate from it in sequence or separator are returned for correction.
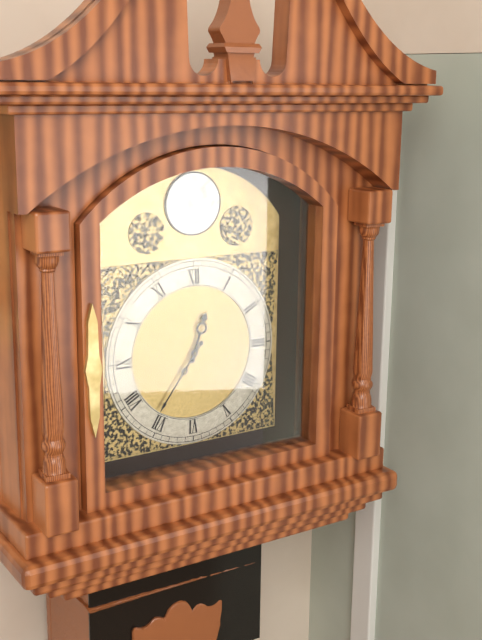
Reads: 12,36
